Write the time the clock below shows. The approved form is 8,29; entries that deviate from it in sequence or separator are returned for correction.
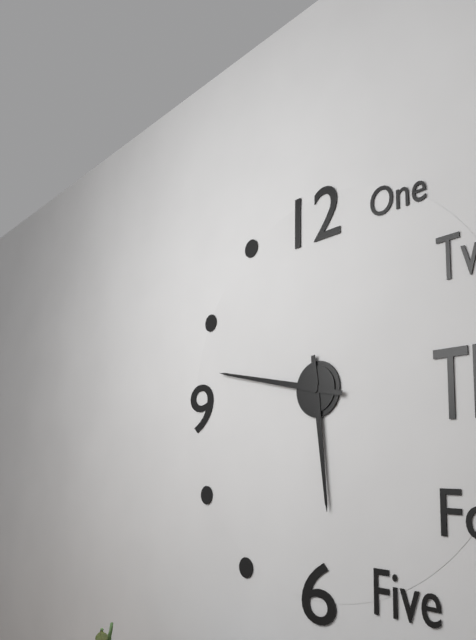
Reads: 5,47
